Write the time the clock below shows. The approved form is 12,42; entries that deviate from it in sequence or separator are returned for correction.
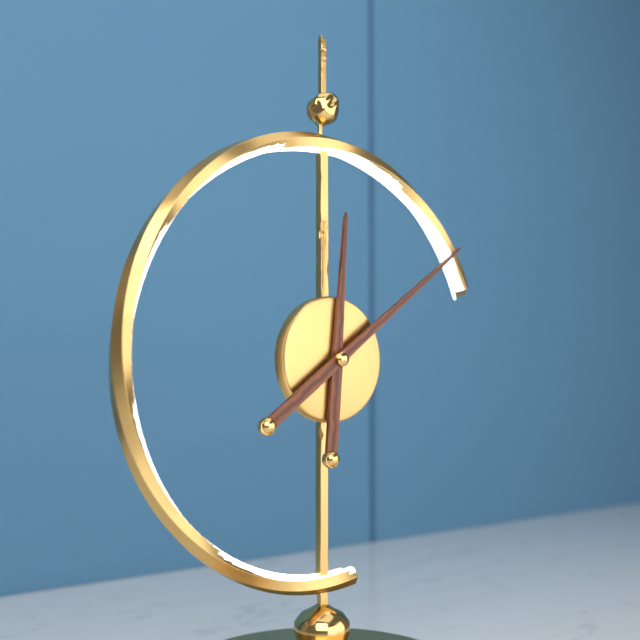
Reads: 12,09
